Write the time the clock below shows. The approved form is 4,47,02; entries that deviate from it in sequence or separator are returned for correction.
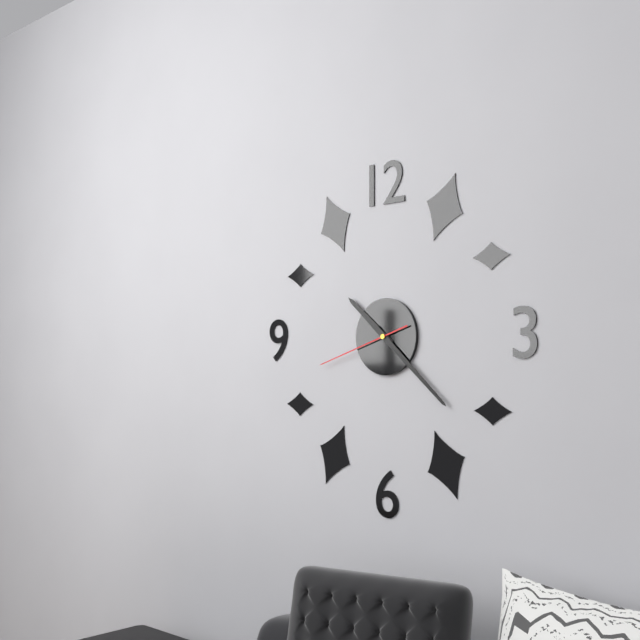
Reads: 10,22,42
